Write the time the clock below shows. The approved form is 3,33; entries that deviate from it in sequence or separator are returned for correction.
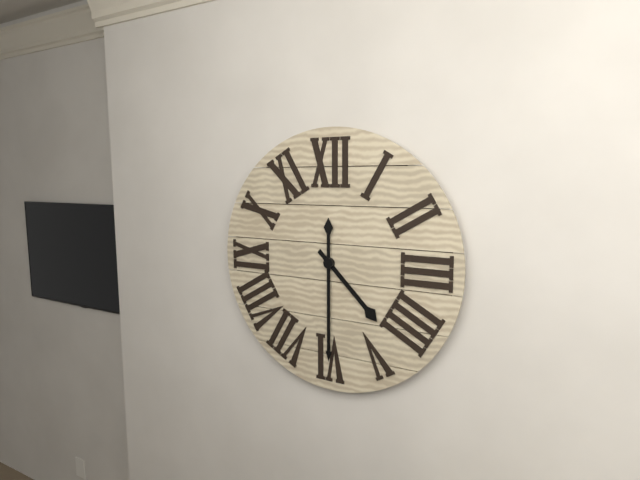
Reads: 4,30
